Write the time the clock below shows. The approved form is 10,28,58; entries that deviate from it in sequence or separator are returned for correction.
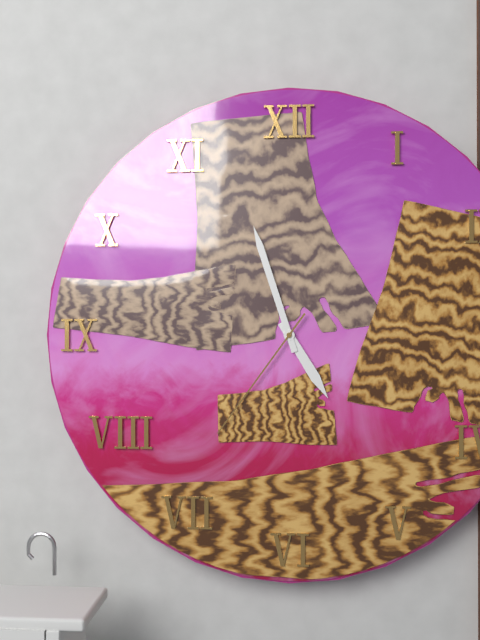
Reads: 4,57,36
